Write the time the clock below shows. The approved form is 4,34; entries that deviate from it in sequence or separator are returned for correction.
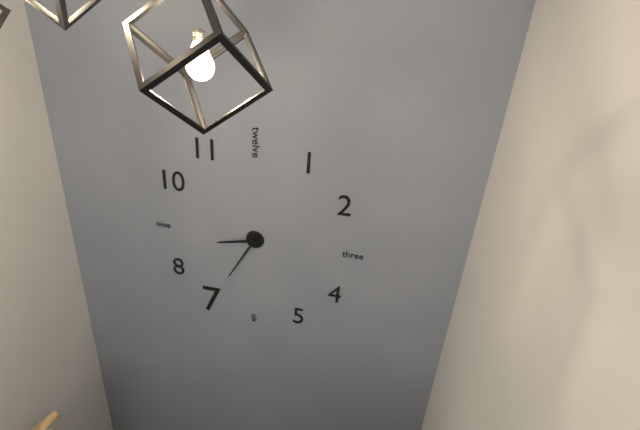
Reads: 8,35
